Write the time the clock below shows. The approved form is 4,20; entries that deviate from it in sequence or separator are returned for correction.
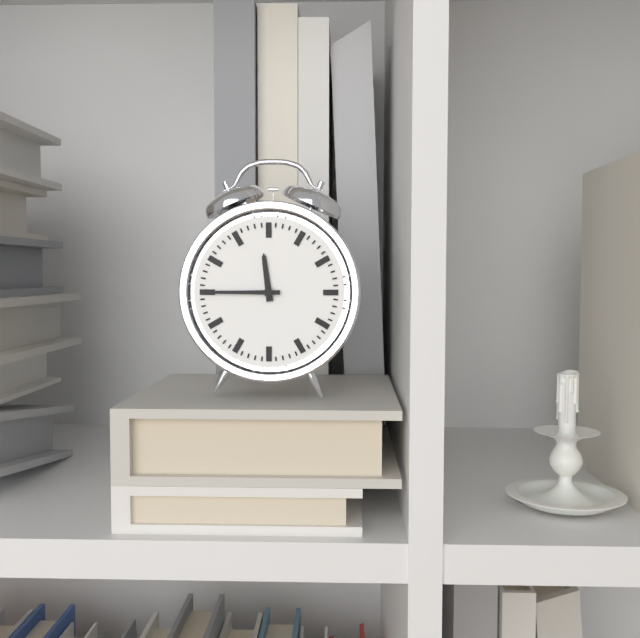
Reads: 11,45
